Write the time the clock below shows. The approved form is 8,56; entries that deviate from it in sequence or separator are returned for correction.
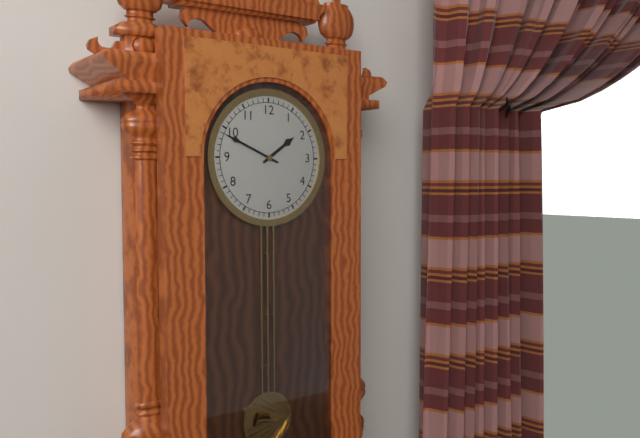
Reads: 1,49
